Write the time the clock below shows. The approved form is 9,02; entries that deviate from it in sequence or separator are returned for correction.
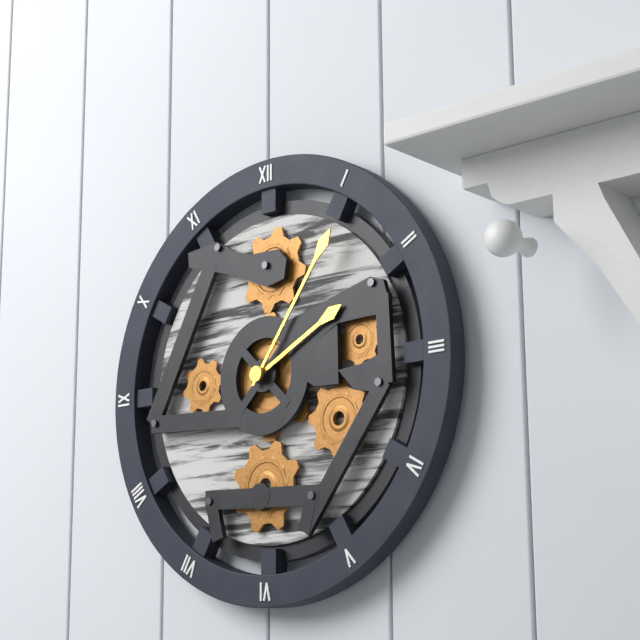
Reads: 2,06
